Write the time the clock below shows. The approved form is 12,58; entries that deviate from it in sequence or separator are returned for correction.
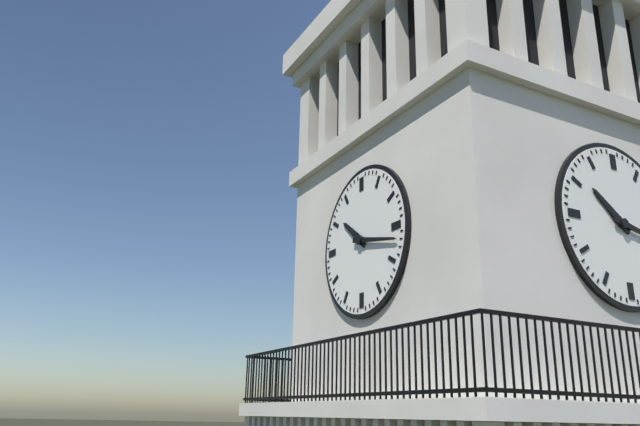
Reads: 10,17
